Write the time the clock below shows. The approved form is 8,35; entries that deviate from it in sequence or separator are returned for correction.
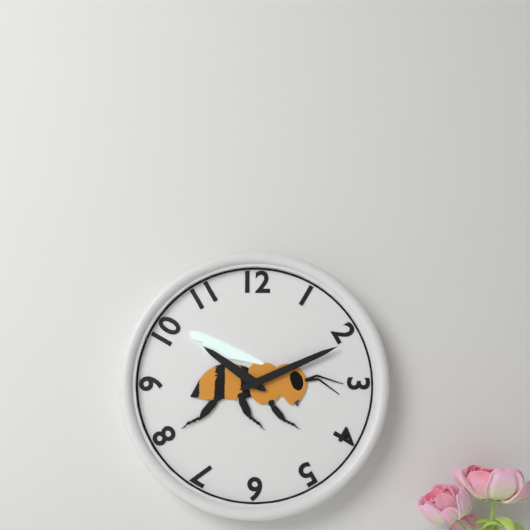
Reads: 10,11
